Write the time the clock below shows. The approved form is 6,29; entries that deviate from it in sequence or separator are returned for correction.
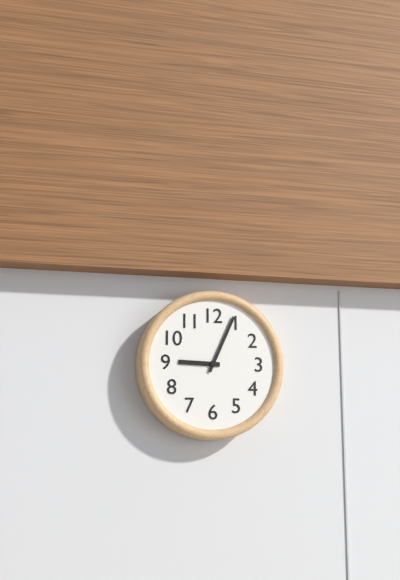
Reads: 9,04
